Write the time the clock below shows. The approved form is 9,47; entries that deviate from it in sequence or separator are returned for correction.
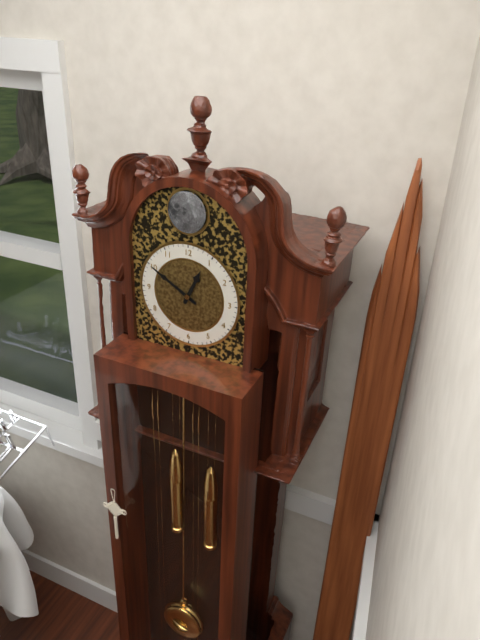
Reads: 12,50
